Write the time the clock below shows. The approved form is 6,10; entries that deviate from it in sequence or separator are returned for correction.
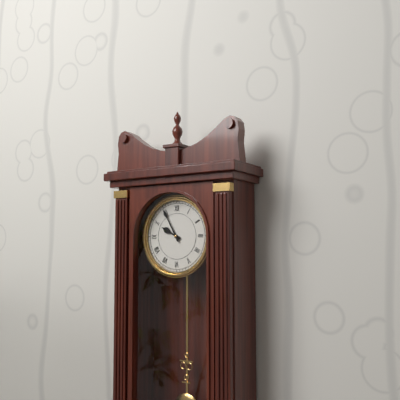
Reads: 9,55
